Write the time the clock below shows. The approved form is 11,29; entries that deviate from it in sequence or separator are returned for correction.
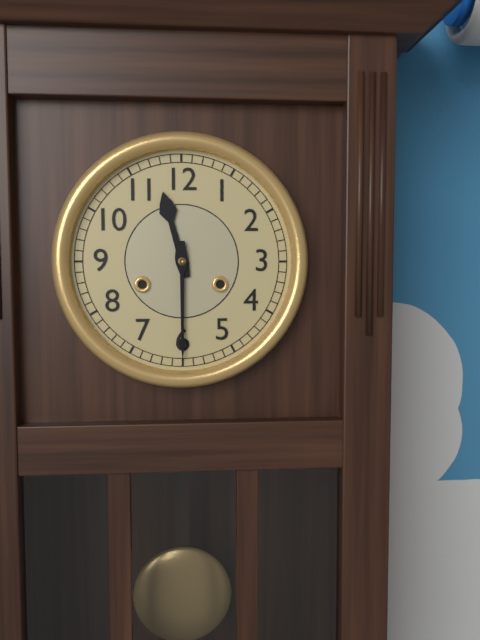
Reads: 11,30
